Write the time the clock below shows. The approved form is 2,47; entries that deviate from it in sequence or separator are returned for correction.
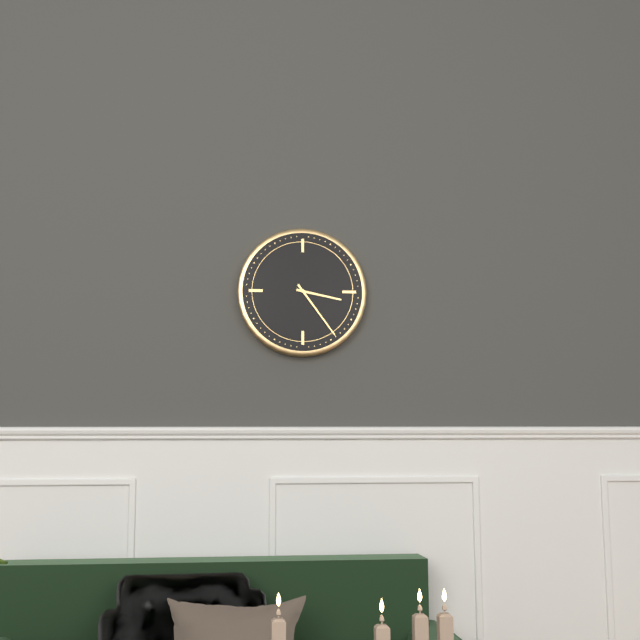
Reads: 3,24
